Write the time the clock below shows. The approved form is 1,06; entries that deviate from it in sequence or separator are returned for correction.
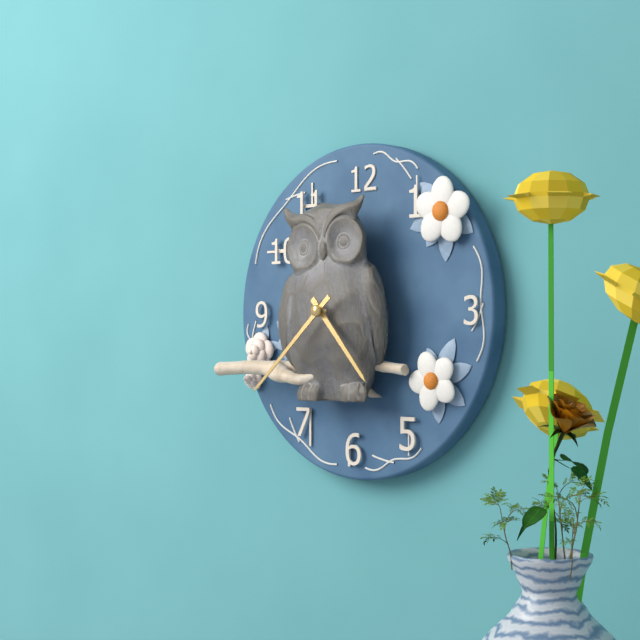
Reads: 4,38
